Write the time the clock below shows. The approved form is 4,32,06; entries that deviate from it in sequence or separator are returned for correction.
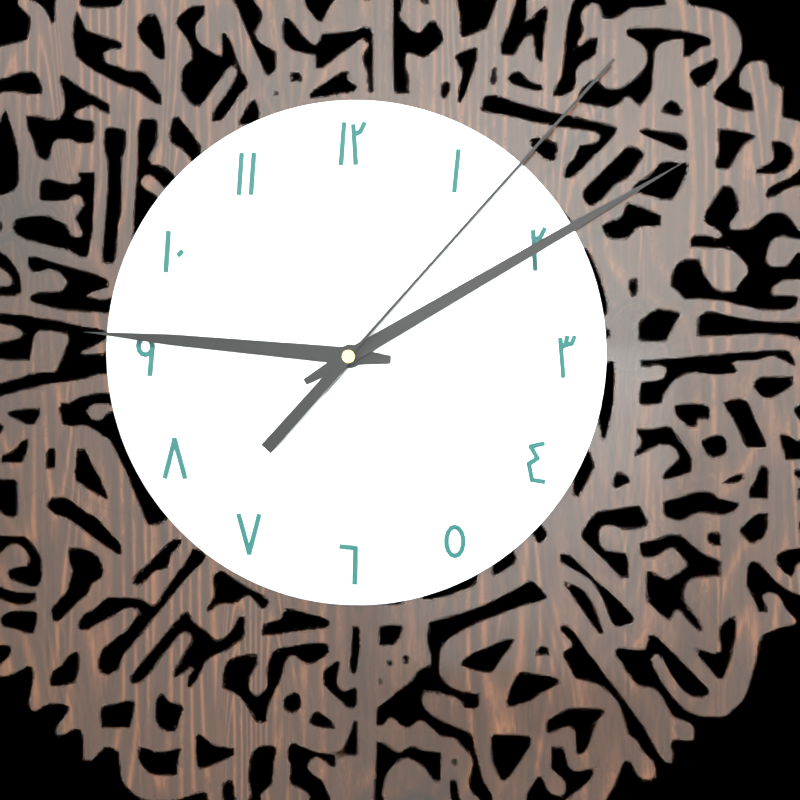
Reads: 9,10,07
